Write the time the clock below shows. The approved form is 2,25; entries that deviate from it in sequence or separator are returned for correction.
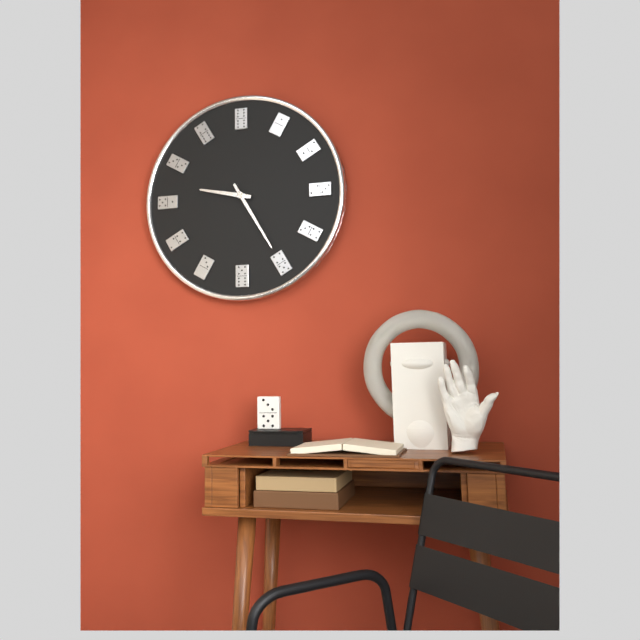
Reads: 9,25
